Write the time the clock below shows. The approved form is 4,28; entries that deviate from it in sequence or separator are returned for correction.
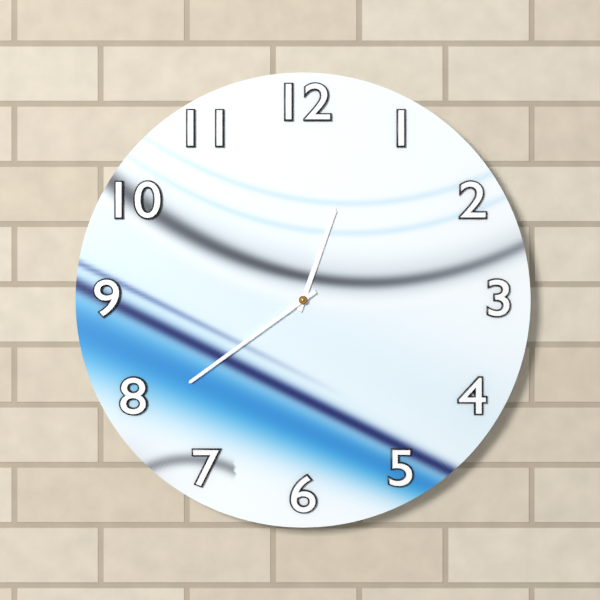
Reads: 12,39
